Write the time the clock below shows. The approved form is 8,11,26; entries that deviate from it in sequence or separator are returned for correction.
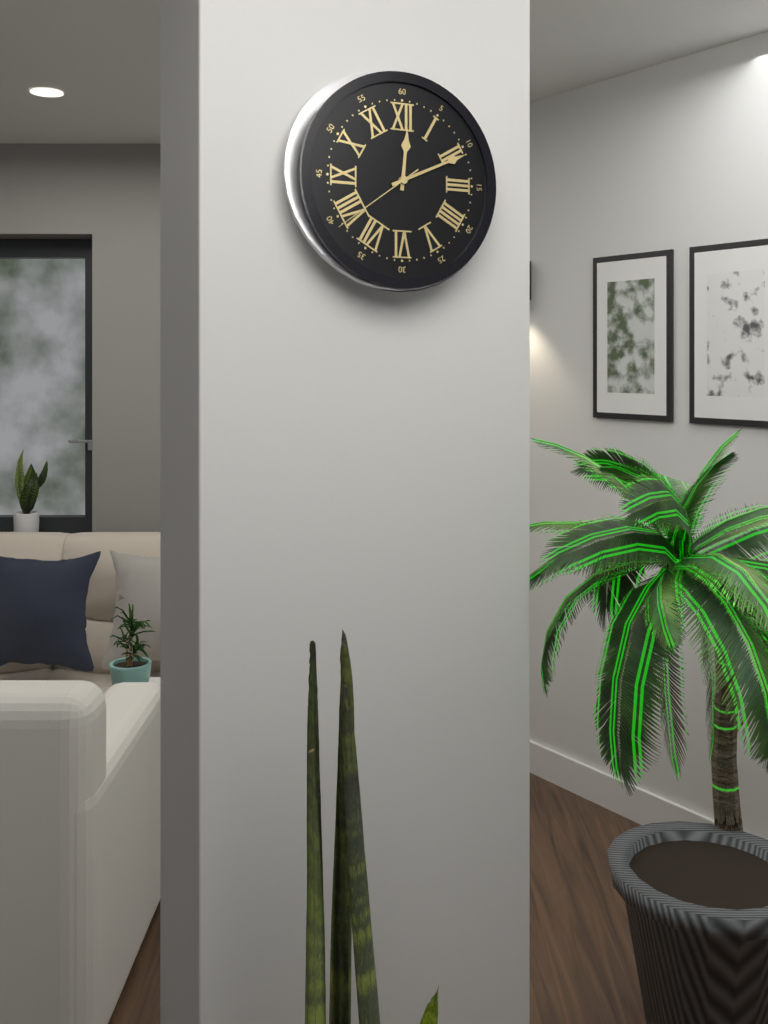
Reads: 12,11,39
